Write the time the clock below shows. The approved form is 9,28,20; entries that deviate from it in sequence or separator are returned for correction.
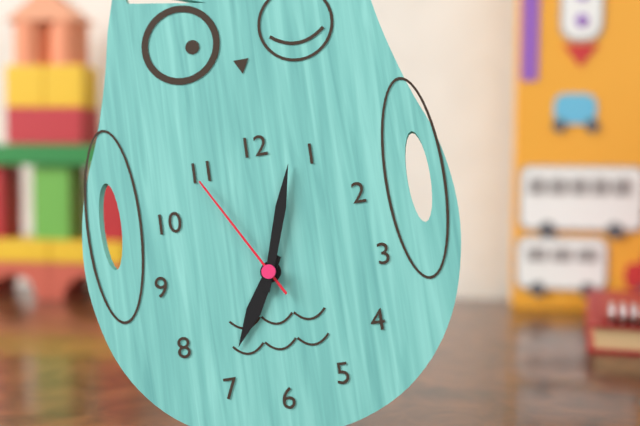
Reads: 7,03,55
